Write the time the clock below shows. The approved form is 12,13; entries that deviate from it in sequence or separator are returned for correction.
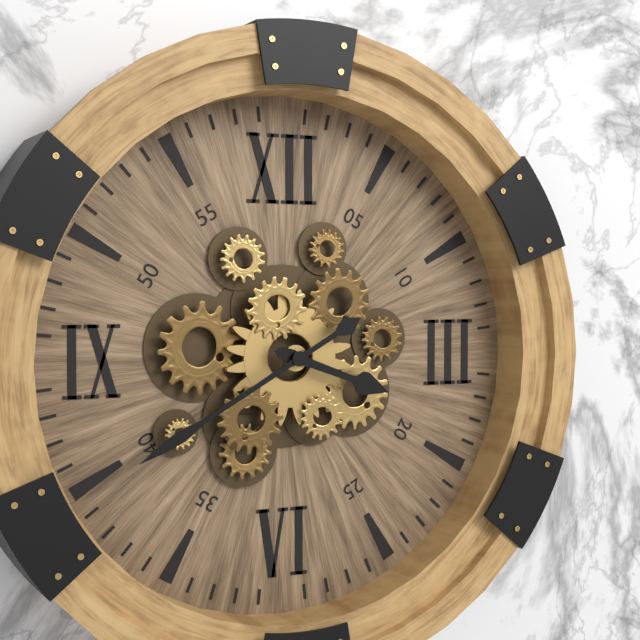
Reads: 3,40
